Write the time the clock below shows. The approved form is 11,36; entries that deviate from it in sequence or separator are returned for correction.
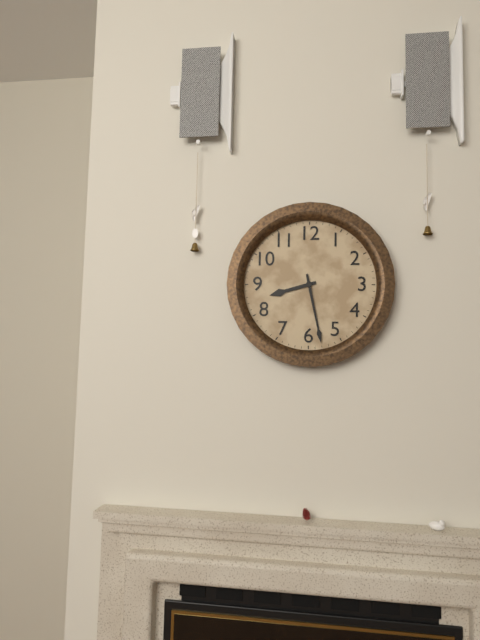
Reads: 8,28
